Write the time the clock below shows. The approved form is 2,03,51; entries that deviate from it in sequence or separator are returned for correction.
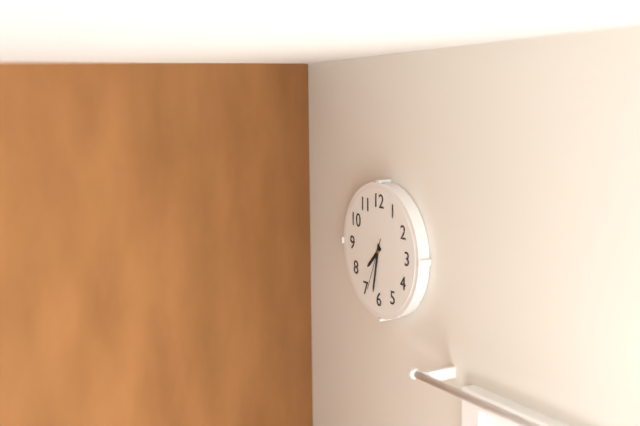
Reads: 7,32,34
